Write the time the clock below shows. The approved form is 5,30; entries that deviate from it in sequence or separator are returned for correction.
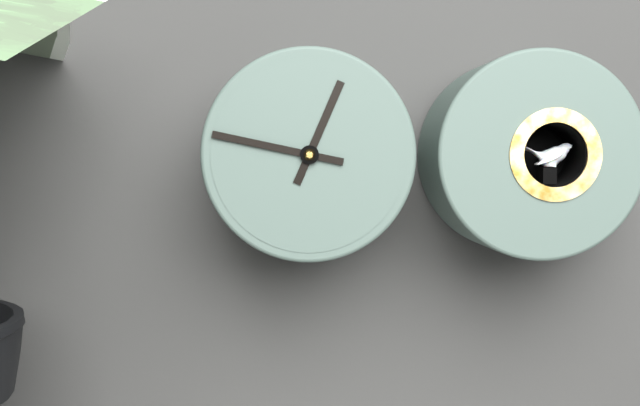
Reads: 12,47
